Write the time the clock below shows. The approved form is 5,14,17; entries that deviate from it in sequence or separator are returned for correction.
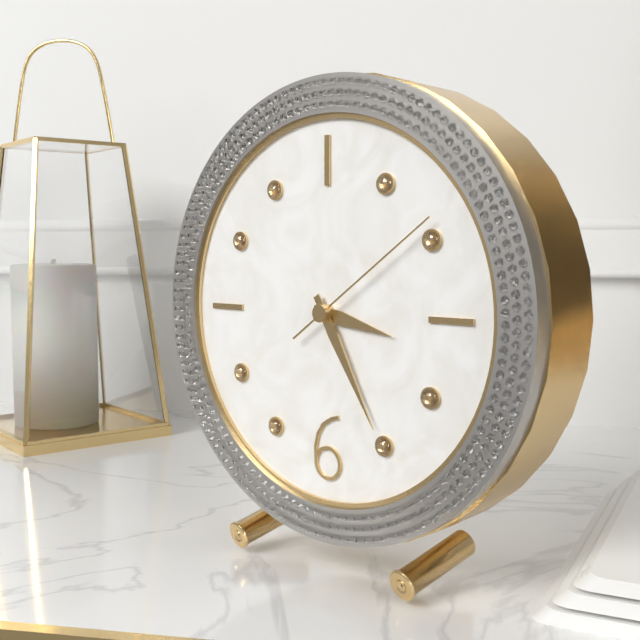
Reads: 3,25,09
